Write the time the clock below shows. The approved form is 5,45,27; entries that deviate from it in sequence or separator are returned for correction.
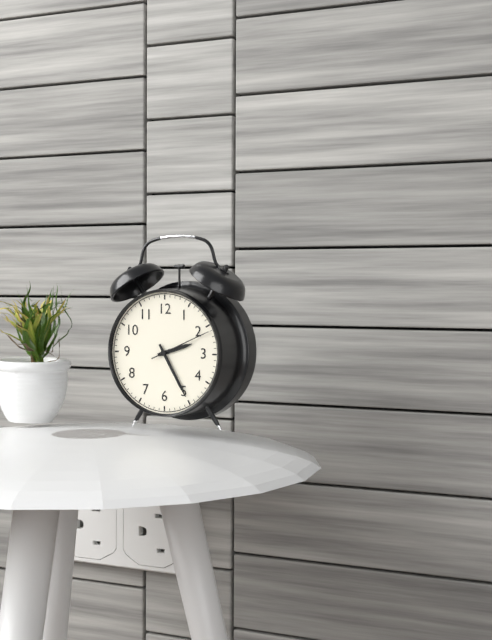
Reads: 2,25,11
